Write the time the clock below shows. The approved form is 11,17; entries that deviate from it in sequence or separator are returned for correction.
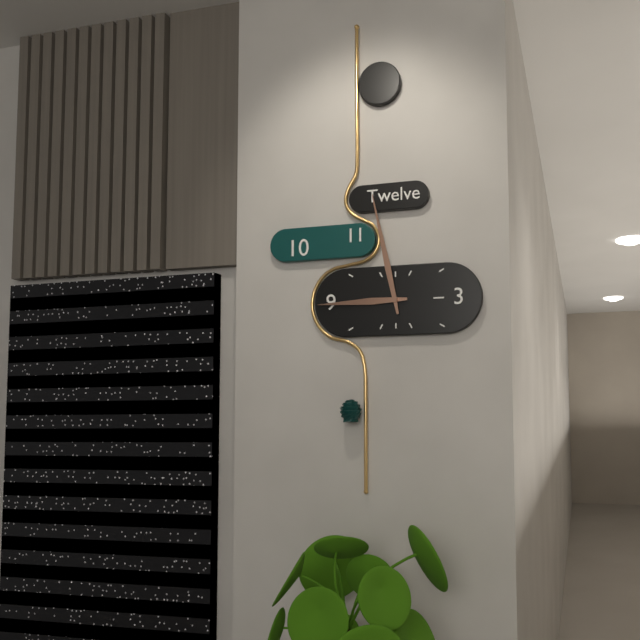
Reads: 8,58
